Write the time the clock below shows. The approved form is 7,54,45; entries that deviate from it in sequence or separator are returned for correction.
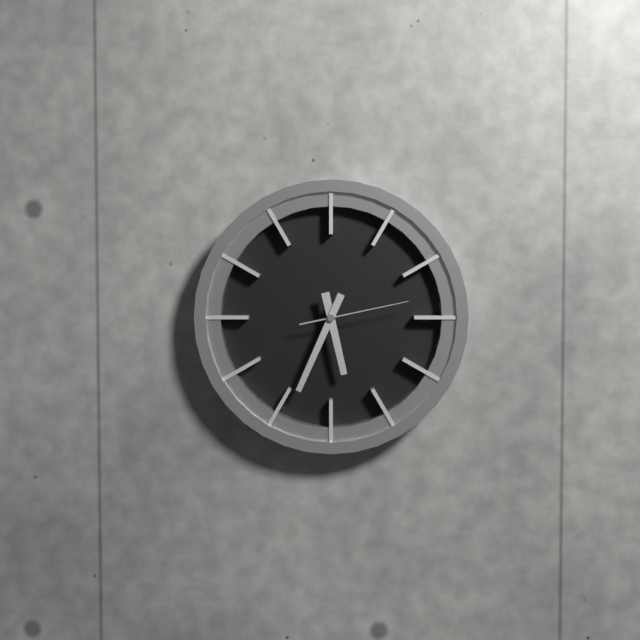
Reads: 5,34,13
